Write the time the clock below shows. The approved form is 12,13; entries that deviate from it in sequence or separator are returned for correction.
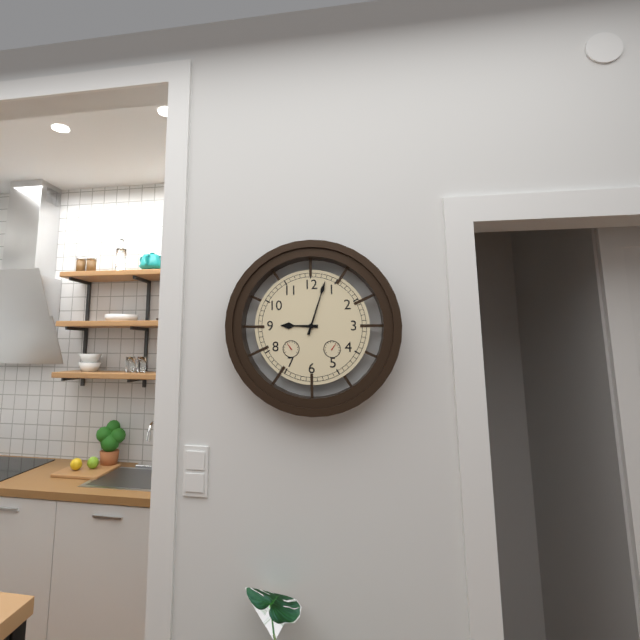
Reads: 9,03
